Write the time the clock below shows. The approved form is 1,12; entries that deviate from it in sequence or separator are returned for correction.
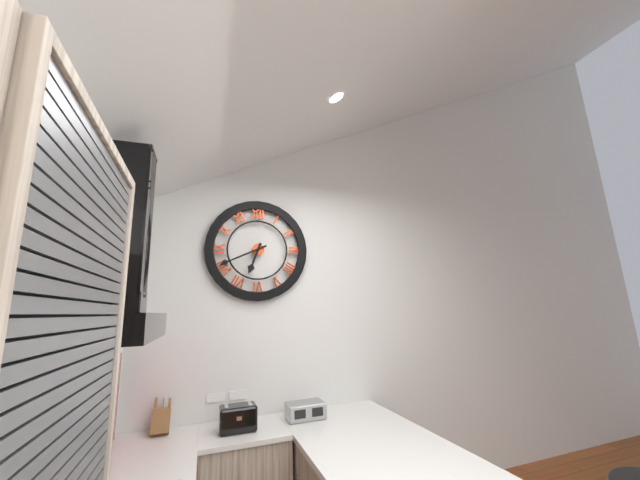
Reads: 6,41
